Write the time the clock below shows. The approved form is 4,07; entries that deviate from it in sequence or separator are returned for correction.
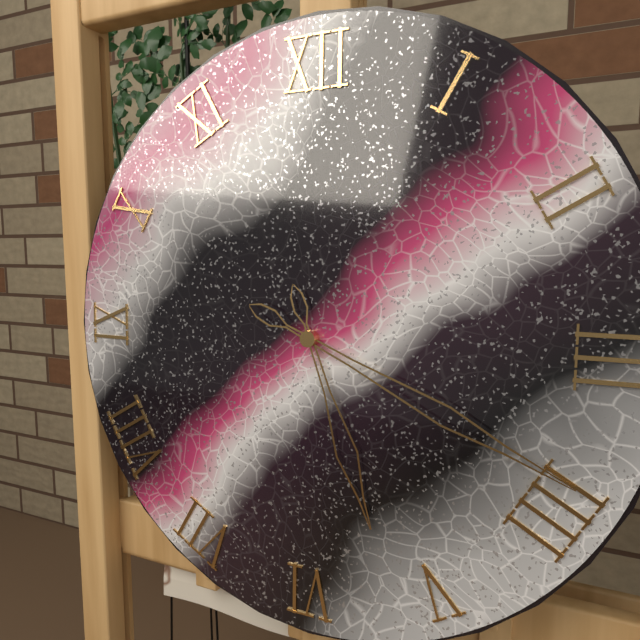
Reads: 5,19
